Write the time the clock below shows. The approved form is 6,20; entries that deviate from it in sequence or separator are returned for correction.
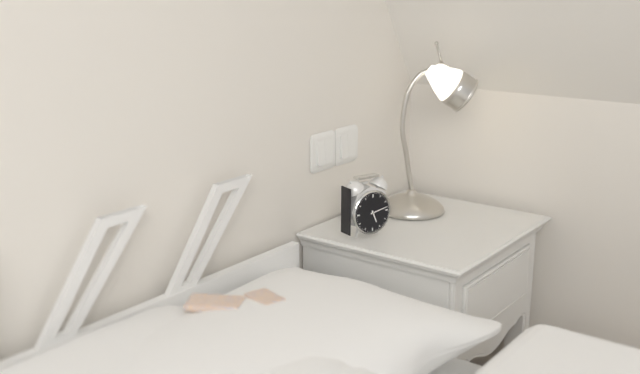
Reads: 5,13
